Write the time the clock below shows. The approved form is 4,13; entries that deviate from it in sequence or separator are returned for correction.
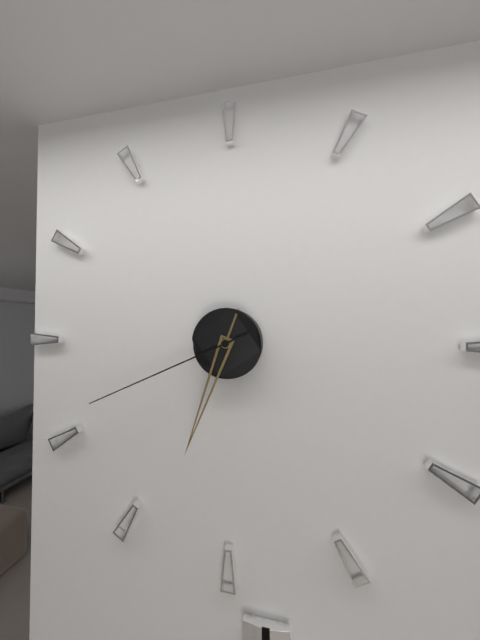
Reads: 6,41
